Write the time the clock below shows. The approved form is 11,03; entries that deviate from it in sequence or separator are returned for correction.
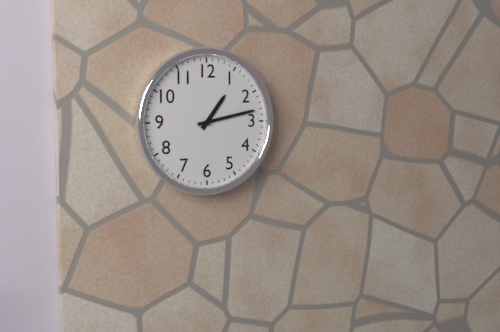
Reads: 1,13
